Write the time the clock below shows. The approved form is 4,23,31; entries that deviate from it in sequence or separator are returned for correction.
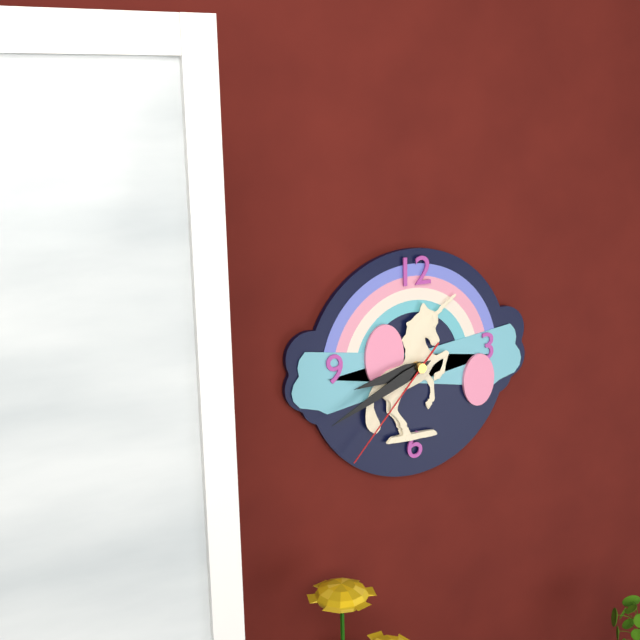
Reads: 8,41,37
